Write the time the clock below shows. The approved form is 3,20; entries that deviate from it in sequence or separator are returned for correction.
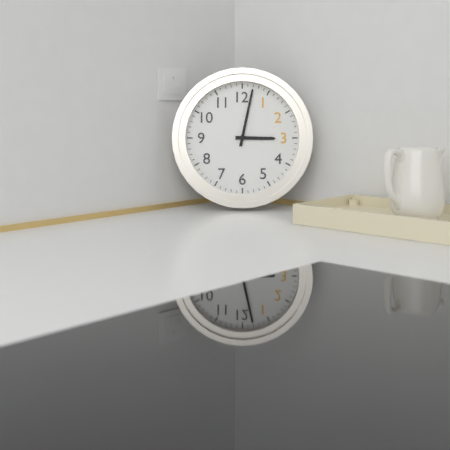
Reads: 3,02
